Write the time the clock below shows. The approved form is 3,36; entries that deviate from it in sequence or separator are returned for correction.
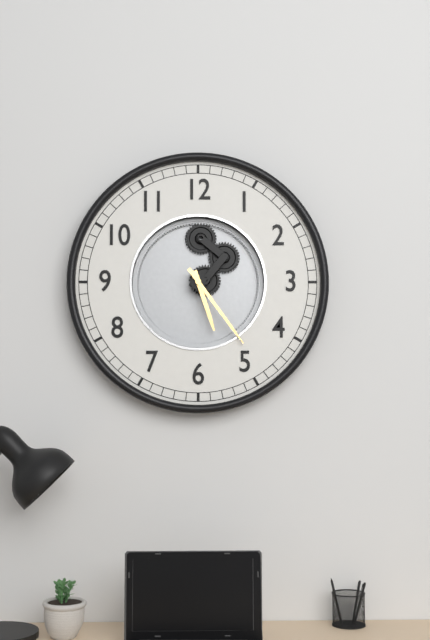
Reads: 5,24
